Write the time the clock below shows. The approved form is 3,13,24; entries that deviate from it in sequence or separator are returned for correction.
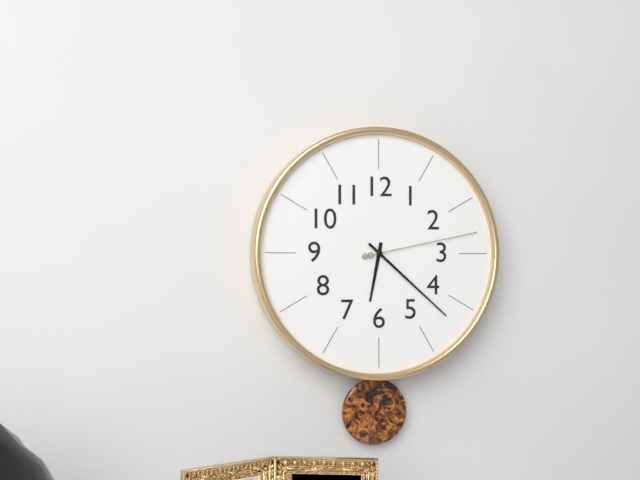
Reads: 6,22,13
